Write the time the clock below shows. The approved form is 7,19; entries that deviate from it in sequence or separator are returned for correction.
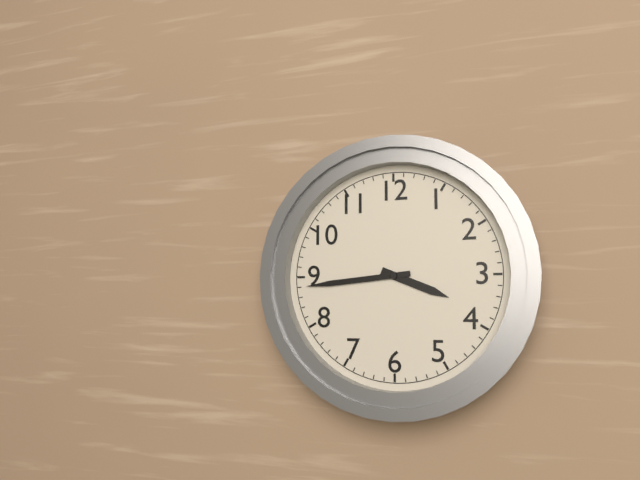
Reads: 3,44
